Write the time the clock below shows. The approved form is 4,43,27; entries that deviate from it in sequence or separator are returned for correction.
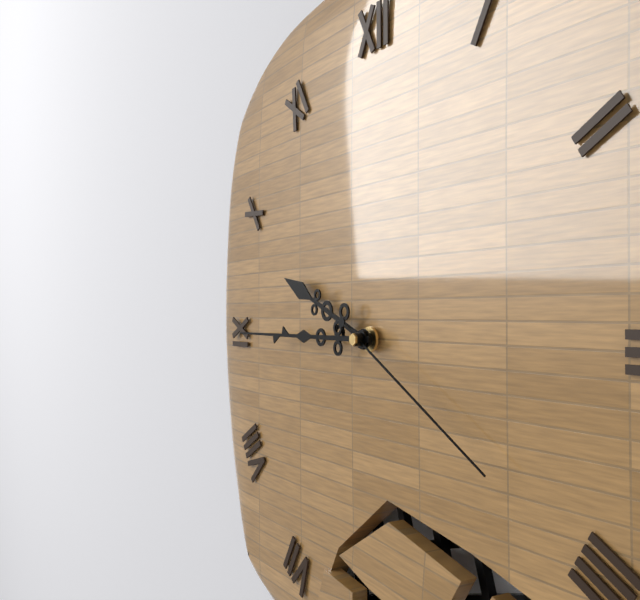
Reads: 9,45,20
